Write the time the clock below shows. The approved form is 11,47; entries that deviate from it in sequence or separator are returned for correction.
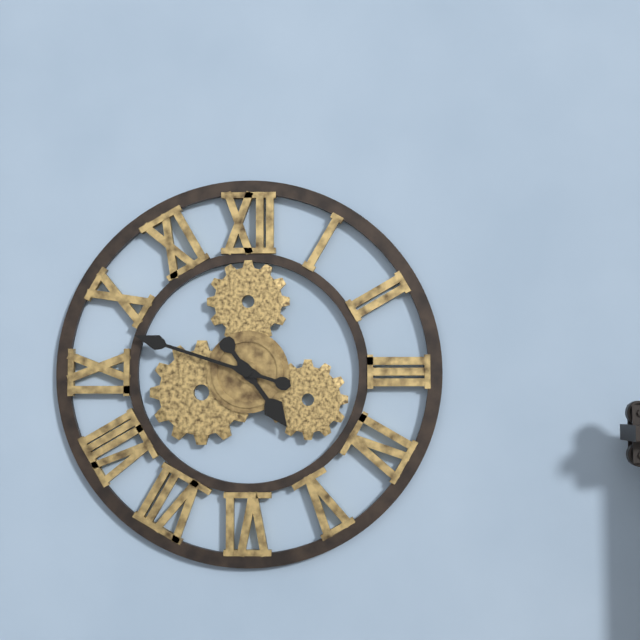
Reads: 4,48
